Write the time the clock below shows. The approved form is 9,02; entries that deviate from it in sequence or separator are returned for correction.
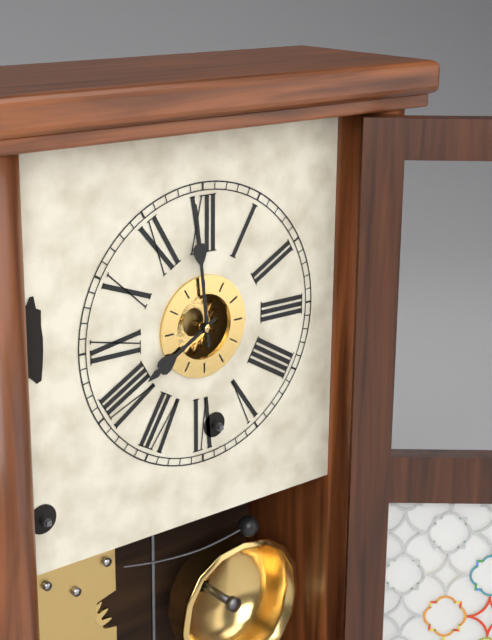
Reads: 7,59
